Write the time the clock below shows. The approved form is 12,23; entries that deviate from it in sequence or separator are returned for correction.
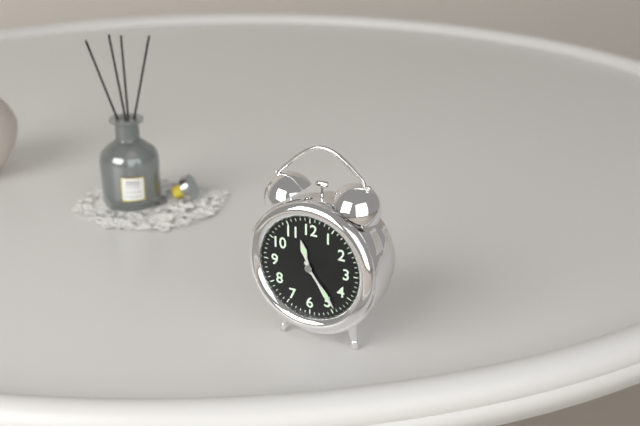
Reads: 11,24
